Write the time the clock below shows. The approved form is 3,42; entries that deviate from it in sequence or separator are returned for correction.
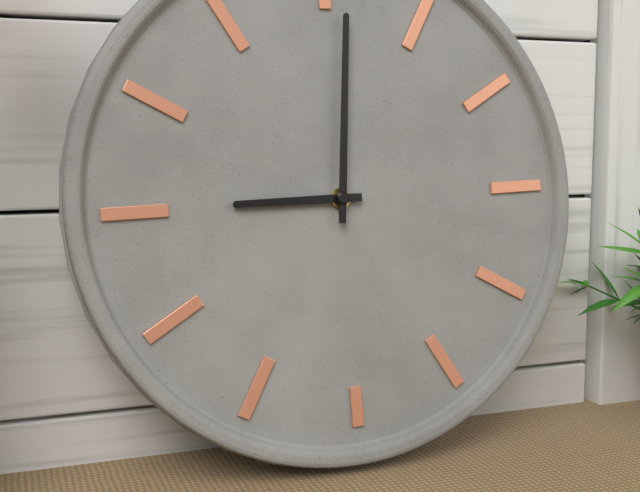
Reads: 9,01
